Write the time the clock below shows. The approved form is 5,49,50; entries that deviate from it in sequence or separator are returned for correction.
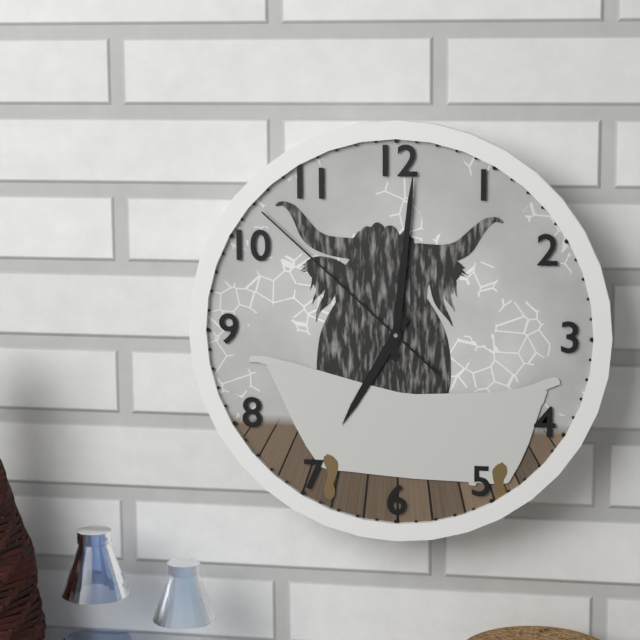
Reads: 7,01,52
